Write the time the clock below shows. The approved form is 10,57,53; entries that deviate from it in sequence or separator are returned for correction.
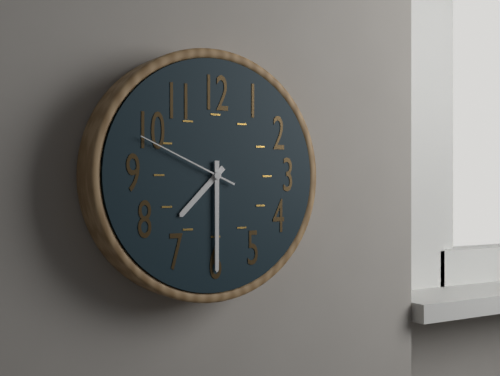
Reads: 7,30,49
